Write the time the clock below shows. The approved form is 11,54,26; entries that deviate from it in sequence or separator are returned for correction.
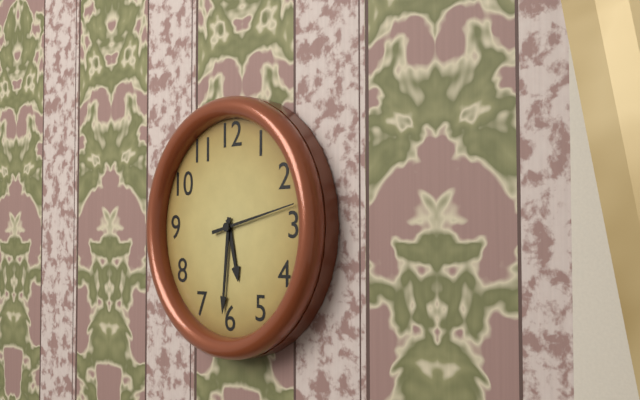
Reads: 5,31,13
